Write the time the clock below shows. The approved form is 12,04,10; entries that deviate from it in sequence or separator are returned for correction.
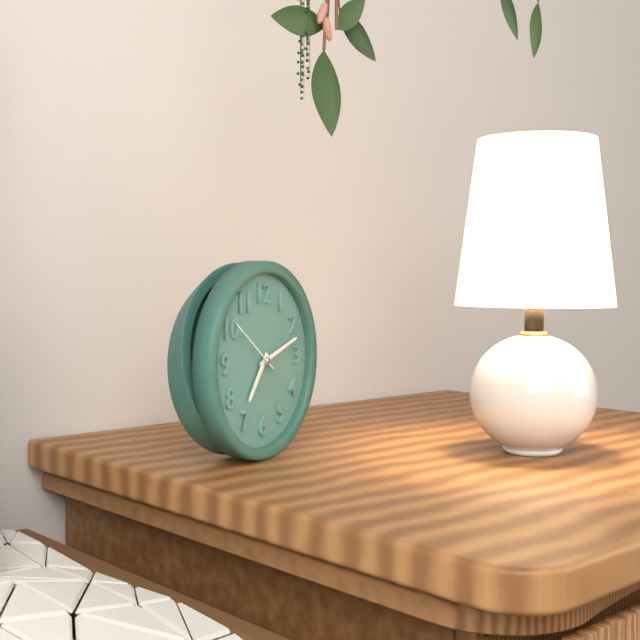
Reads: 7,12,51
